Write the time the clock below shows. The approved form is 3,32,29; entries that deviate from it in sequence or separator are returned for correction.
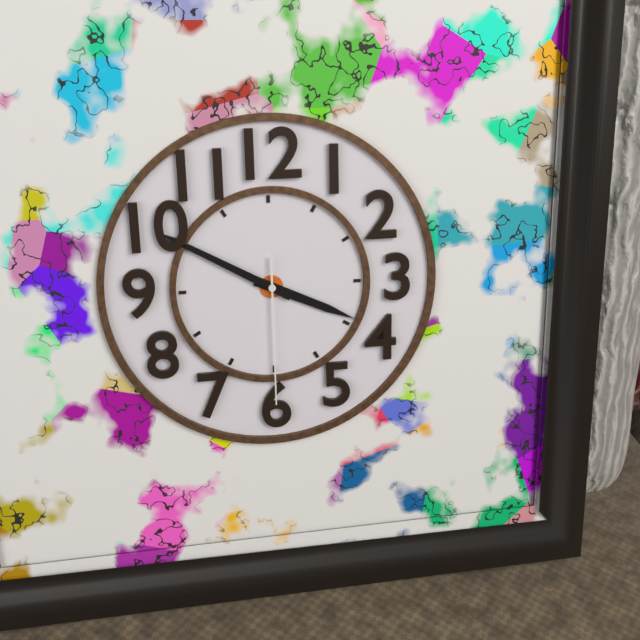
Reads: 3,50,30
